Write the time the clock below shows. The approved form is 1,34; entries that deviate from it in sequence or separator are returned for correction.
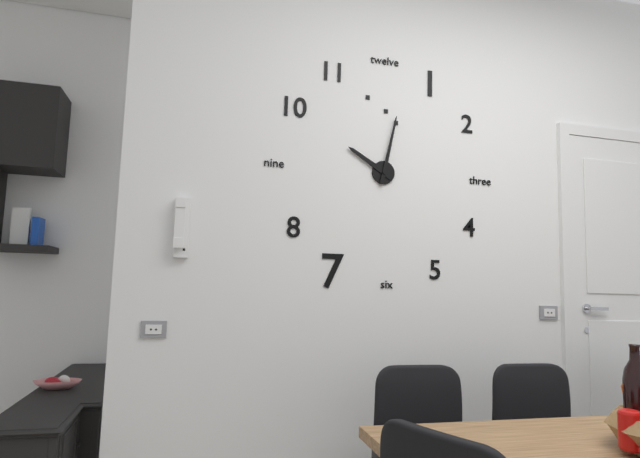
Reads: 10,02
